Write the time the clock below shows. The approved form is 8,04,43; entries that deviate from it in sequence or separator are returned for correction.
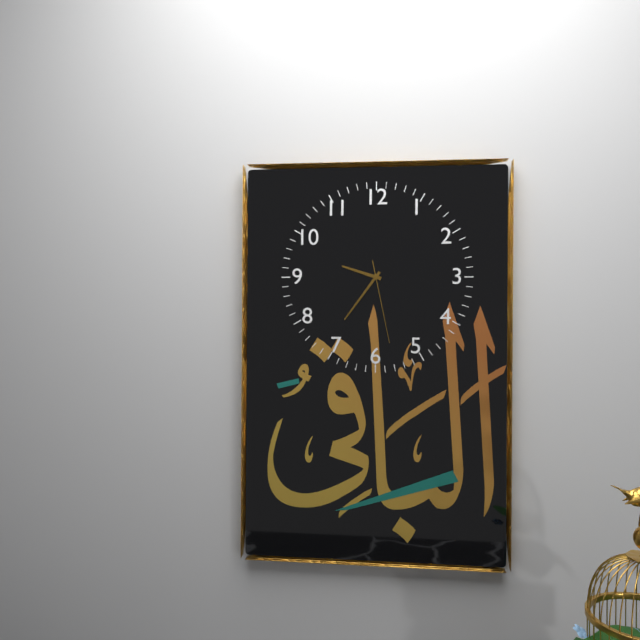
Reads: 9,36,28
